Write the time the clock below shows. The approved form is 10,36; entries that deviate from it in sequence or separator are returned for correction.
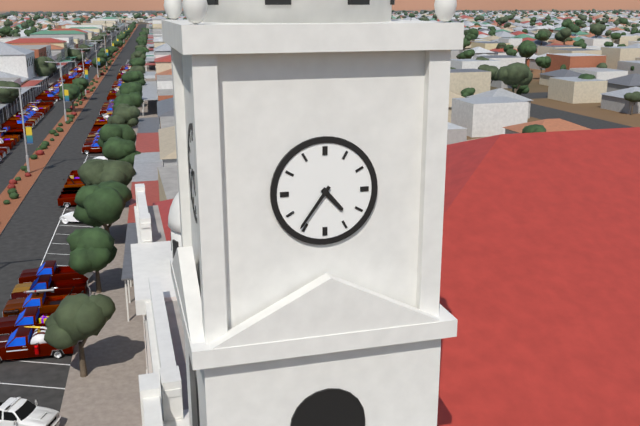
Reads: 4,36
